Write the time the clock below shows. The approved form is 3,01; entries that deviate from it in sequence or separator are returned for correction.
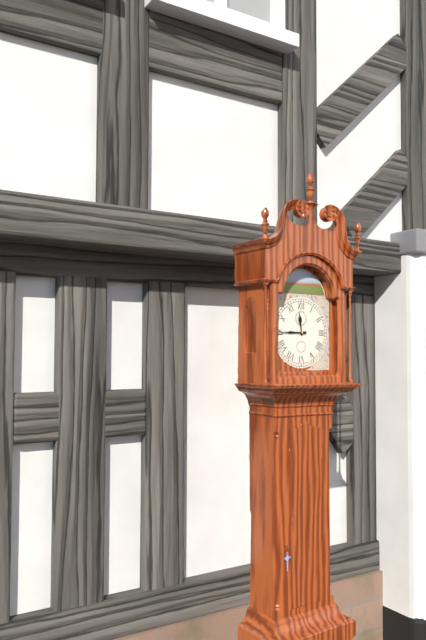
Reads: 11,45
